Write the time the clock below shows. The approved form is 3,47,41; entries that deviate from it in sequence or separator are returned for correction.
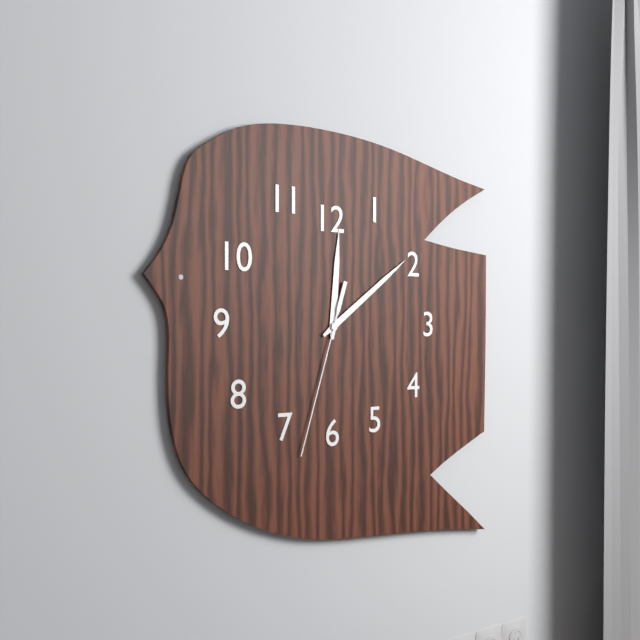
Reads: 12,09,33
